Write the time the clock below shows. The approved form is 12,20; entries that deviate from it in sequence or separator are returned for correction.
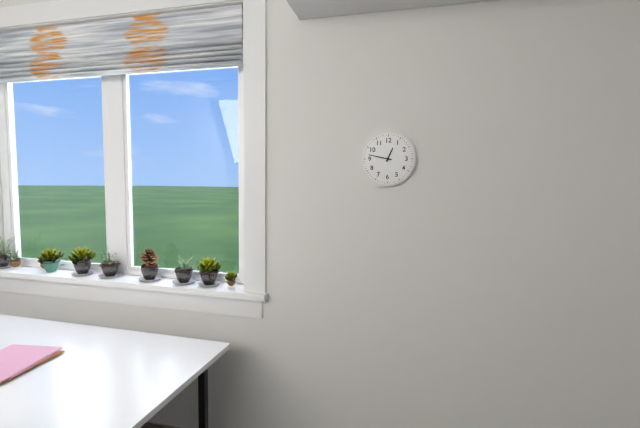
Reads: 12,47
